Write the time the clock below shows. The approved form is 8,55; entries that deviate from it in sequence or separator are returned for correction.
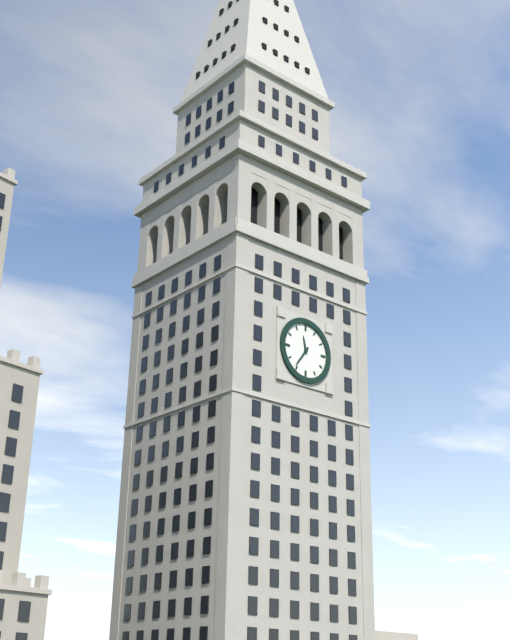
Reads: 11,36
